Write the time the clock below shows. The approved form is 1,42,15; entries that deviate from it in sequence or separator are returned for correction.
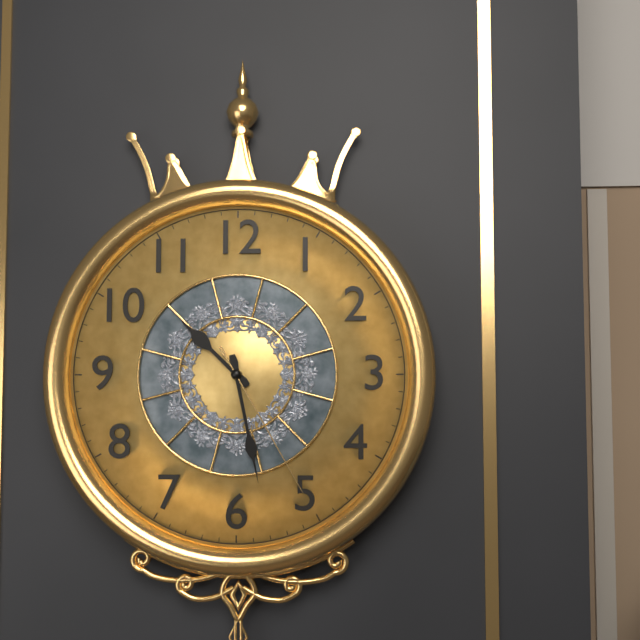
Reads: 10,28,25
